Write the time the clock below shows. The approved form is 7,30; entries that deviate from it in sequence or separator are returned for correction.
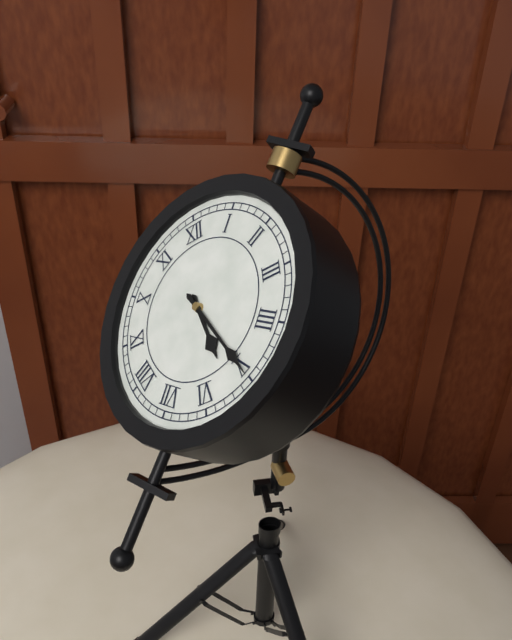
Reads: 5,25
